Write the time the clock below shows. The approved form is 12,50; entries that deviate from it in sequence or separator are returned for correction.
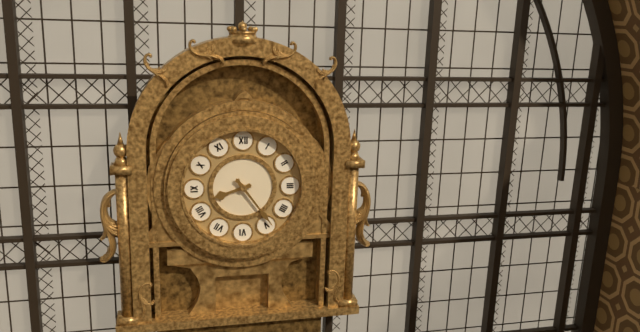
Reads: 8,24
